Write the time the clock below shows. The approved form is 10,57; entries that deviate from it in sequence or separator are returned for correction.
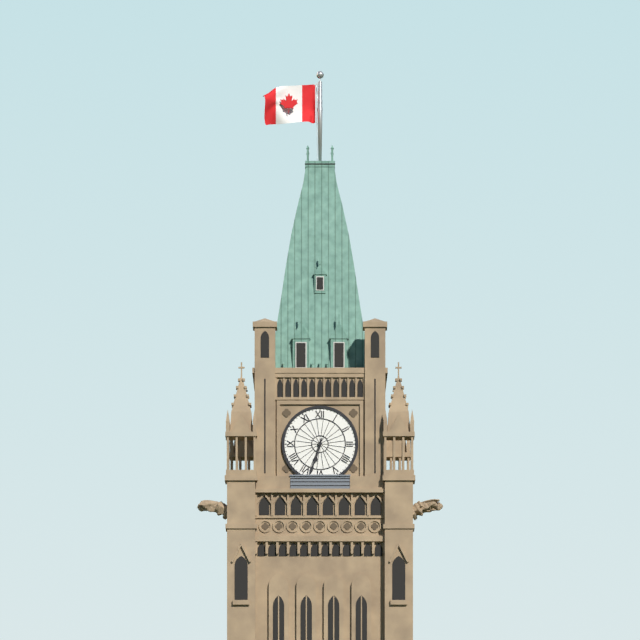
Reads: 6,33
